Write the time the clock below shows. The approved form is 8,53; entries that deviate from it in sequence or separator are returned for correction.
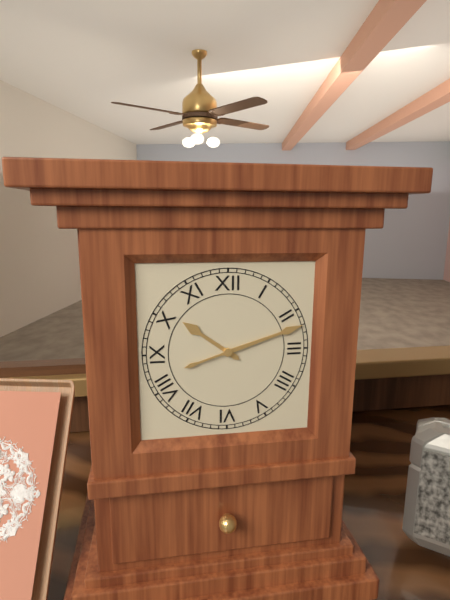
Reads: 10,12
